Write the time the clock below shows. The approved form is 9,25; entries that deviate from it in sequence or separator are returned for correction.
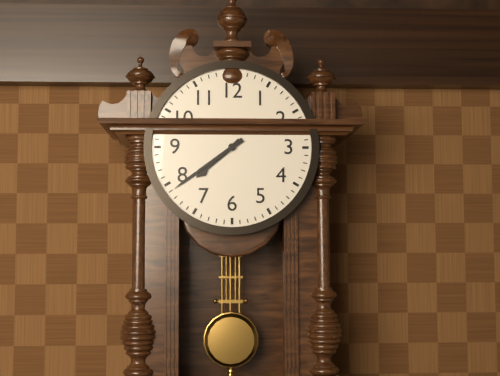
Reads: 7,39
